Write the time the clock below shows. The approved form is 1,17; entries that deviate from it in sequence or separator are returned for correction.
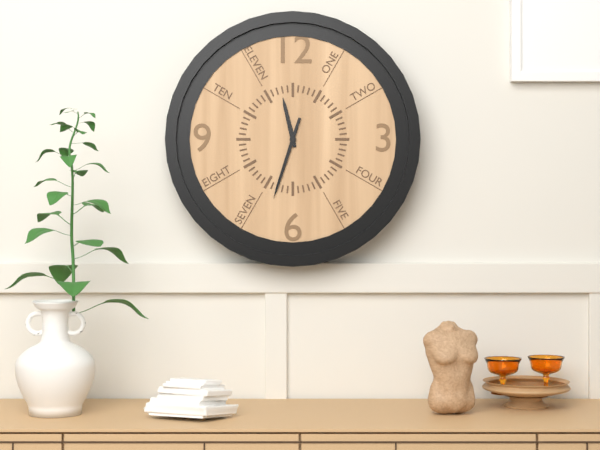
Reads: 11,33
